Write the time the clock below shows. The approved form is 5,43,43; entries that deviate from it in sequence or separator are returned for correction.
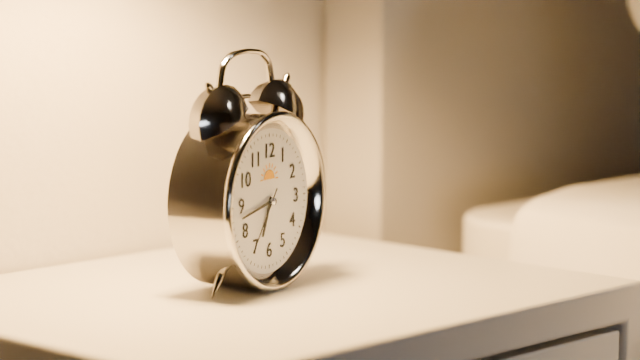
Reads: 6,43,36
